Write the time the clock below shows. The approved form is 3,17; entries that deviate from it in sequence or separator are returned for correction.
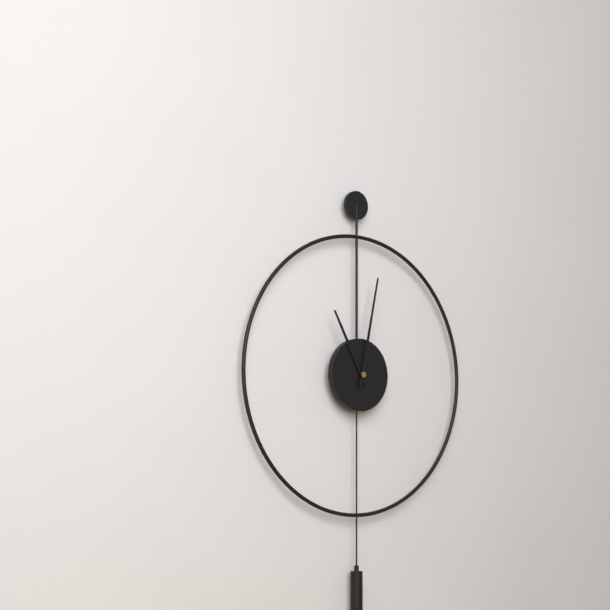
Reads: 11,02
